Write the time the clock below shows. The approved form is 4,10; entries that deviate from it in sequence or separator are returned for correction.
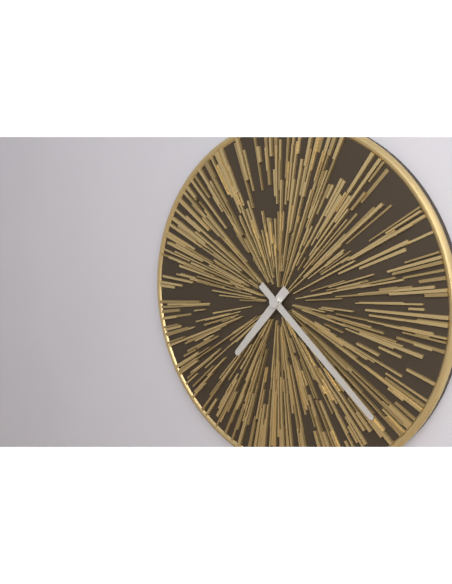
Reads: 7,22
